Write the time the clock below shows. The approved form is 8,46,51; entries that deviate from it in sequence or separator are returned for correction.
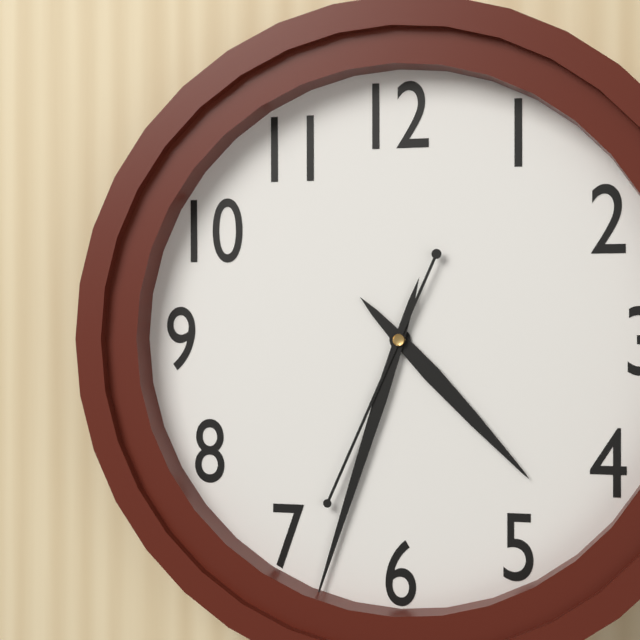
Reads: 4,33,34
